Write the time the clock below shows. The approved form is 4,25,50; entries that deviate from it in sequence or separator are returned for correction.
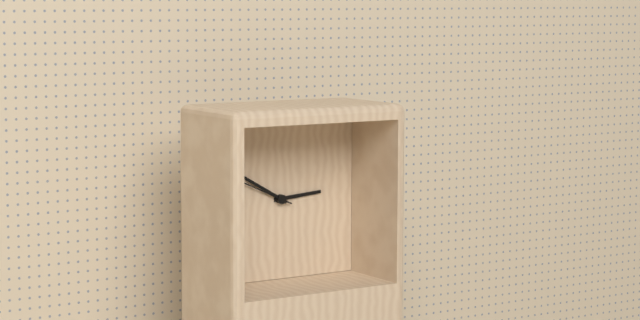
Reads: 2,50,49
